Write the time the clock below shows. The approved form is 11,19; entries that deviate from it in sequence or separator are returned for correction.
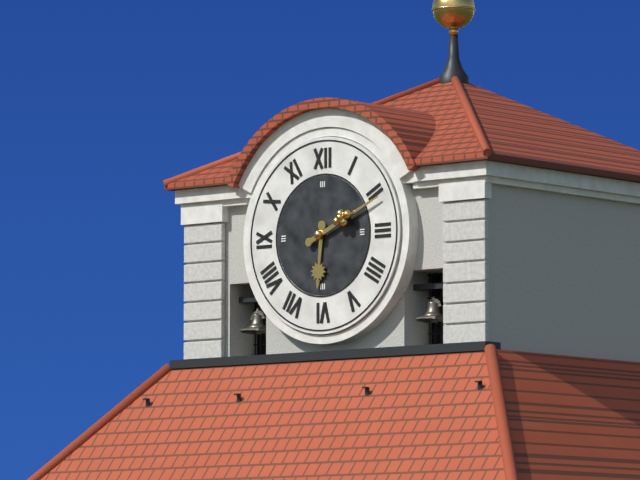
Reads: 6,11
